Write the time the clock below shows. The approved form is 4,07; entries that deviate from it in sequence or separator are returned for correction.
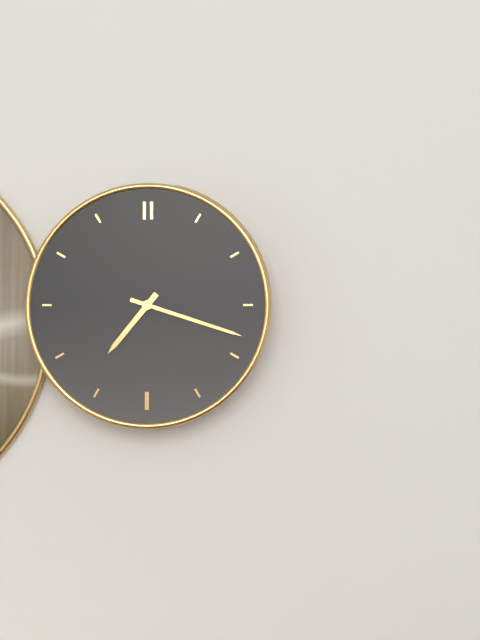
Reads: 7,18
